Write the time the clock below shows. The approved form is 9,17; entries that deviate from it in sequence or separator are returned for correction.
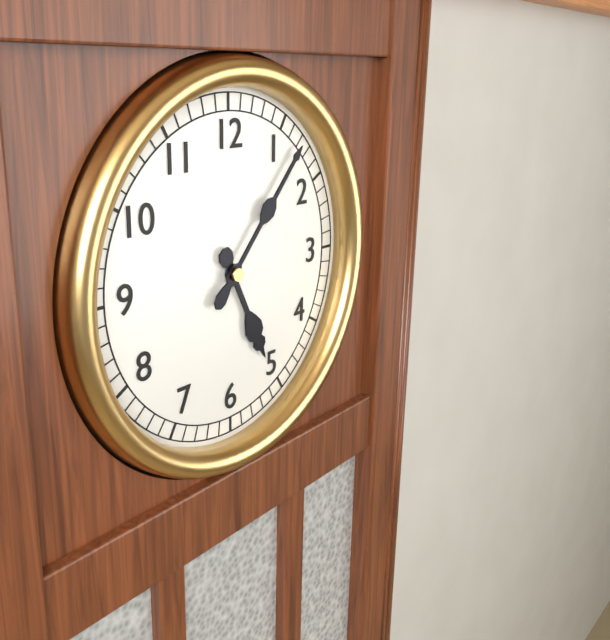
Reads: 5,07
